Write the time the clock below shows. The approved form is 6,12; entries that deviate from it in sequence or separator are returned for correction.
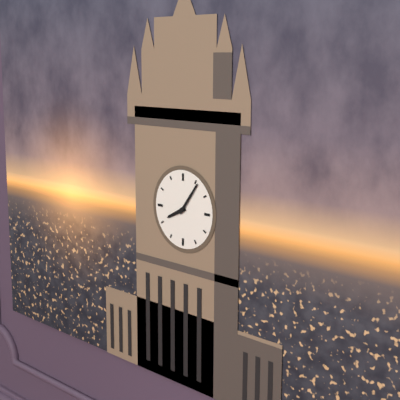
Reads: 8,06
